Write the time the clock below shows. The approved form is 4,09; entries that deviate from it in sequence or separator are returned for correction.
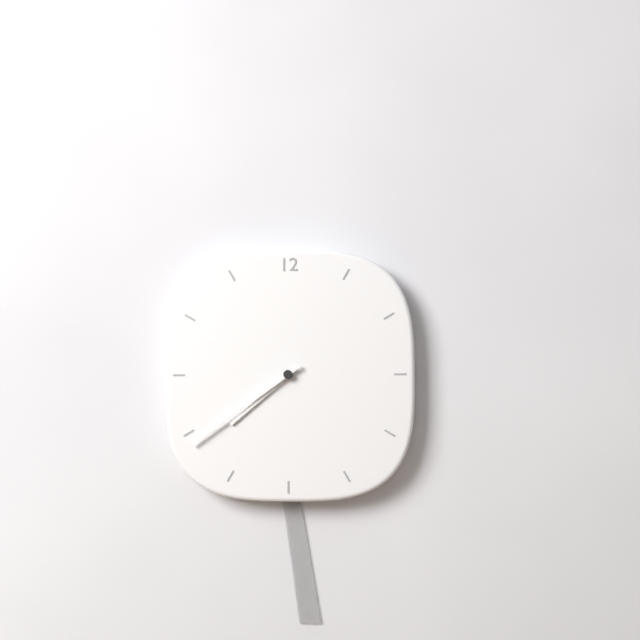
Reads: 7,39
